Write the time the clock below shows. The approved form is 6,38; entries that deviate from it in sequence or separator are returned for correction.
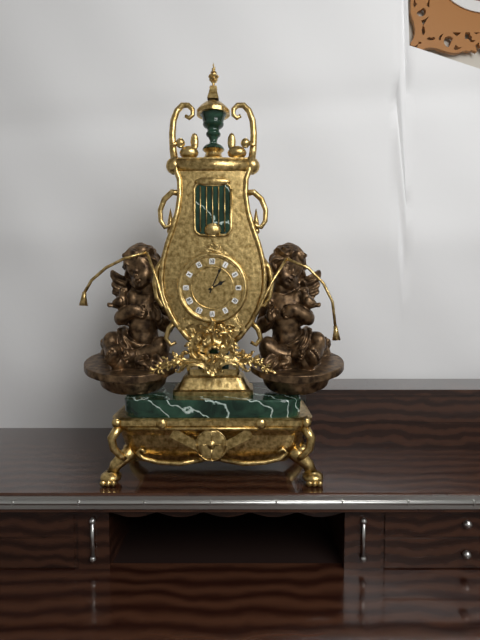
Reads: 2,04
